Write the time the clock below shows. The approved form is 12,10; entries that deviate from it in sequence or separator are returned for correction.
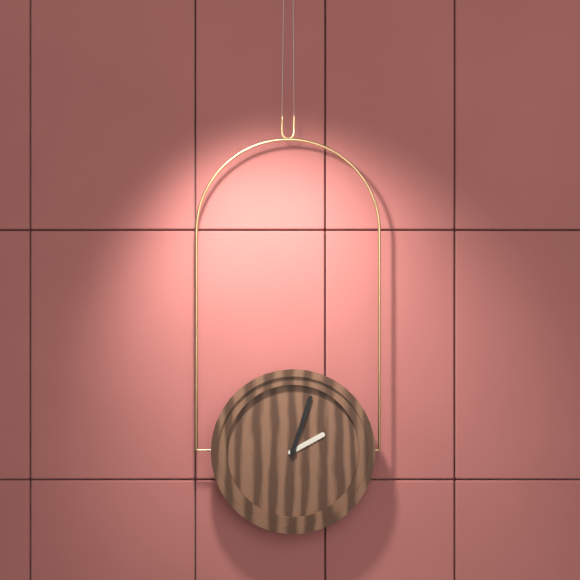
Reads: 2,03
